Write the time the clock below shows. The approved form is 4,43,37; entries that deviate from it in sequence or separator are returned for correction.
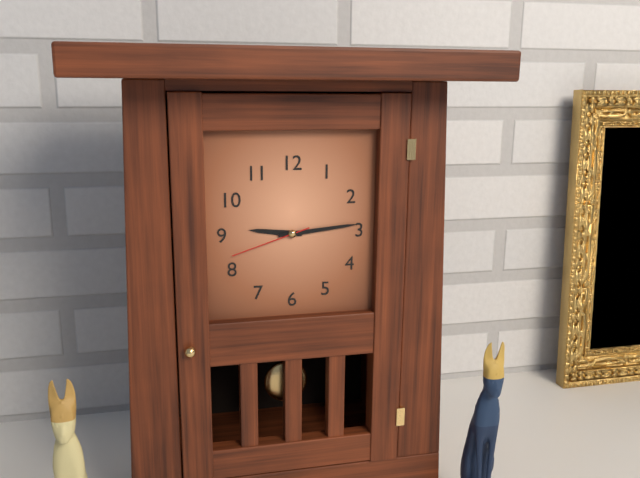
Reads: 9,14,42
